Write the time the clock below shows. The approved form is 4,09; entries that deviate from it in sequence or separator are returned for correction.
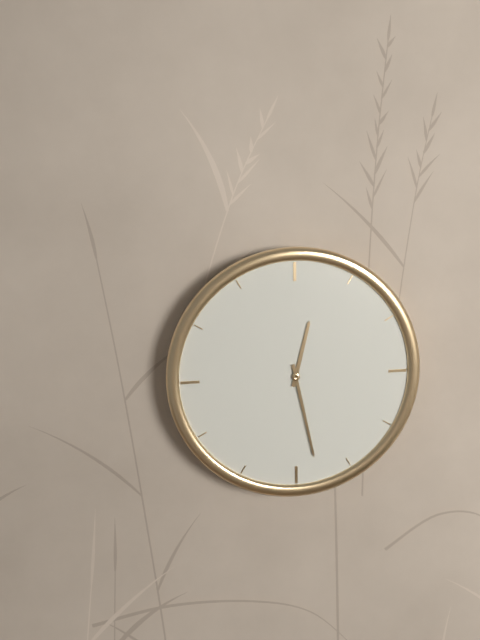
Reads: 12,28
